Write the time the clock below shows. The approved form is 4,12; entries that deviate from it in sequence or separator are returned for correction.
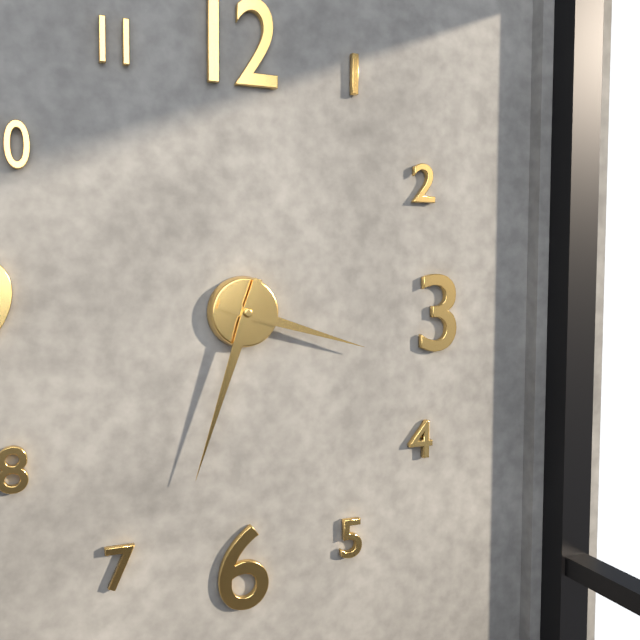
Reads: 3,33
